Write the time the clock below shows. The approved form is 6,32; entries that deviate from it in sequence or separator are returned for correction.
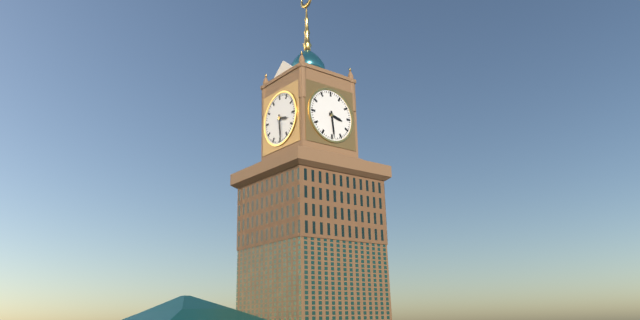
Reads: 3,29
